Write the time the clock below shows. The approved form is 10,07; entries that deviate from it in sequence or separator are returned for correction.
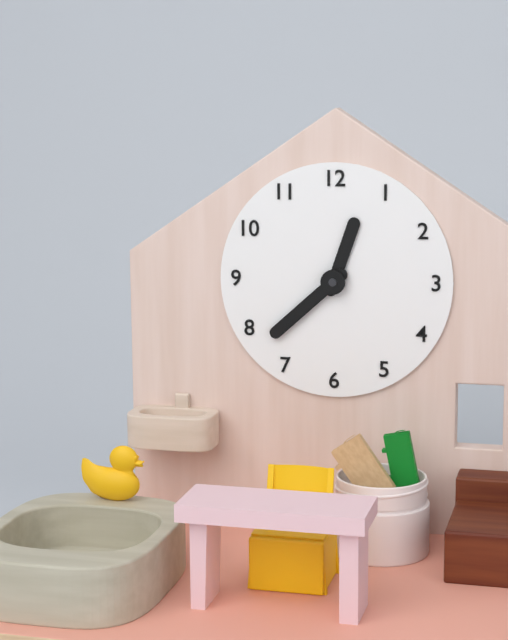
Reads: 12,38
